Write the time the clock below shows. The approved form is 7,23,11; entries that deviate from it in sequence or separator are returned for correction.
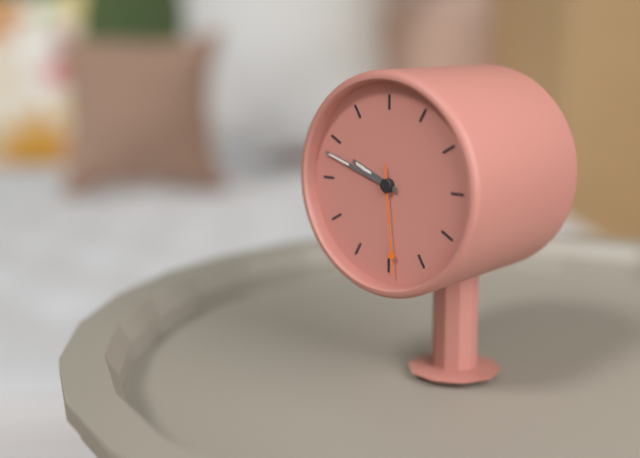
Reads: 9,48,29
